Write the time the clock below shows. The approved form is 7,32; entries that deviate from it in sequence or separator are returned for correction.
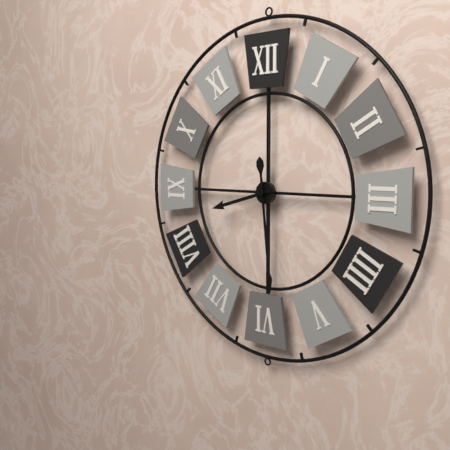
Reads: 8,29
